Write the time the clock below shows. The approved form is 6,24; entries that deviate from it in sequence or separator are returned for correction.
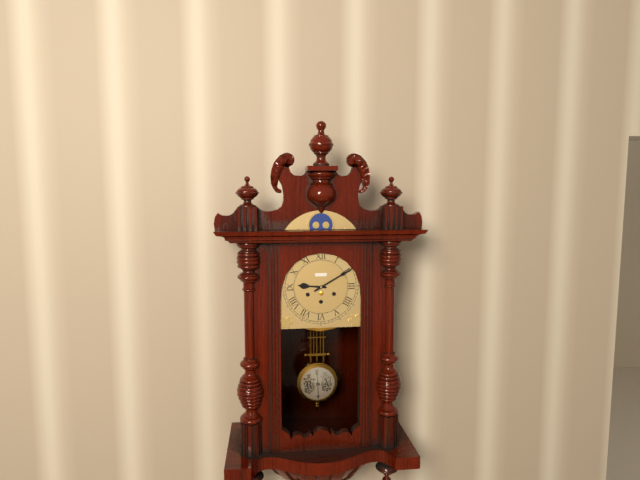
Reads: 9,10
